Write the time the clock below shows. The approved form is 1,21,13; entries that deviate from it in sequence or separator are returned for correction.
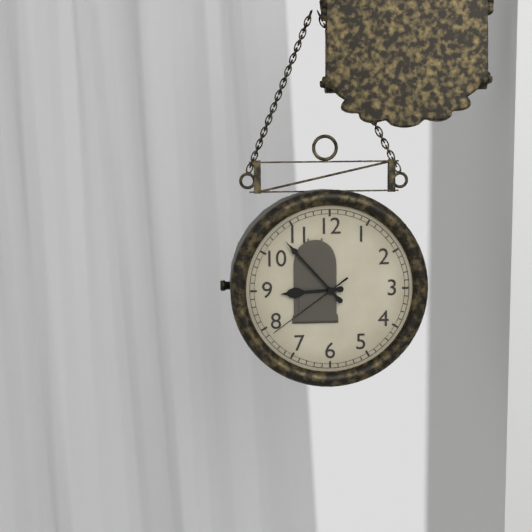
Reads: 8,53,39
